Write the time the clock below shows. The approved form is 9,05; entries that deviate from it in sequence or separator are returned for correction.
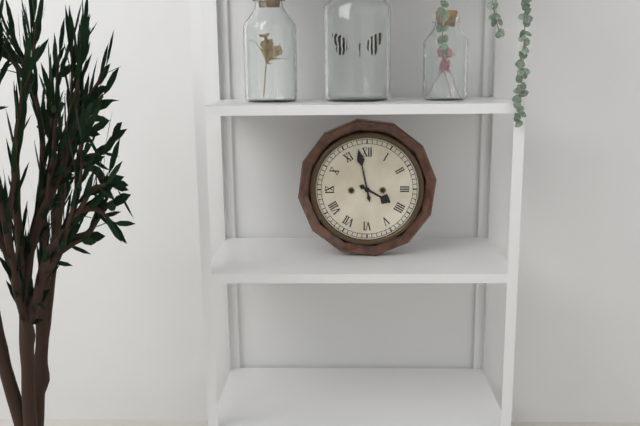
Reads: 3,58
